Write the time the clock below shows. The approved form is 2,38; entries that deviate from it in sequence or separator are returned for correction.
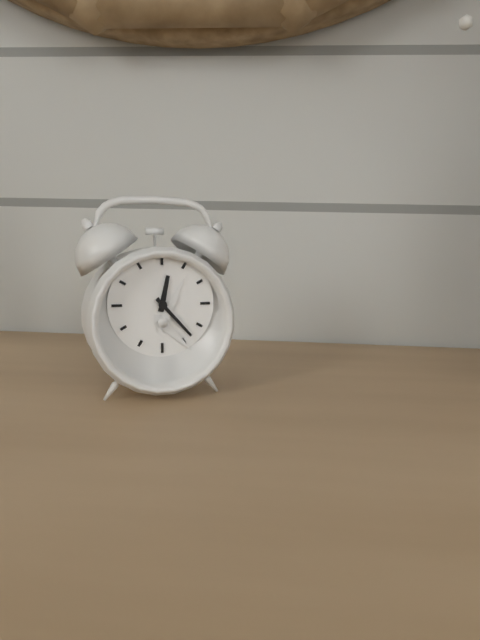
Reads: 12,23
